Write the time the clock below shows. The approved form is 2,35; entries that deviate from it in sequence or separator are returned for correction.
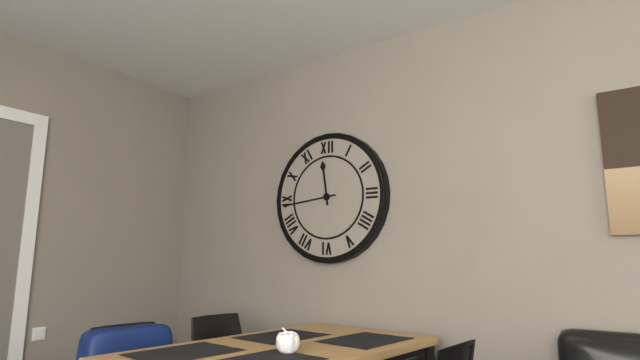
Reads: 11,44
